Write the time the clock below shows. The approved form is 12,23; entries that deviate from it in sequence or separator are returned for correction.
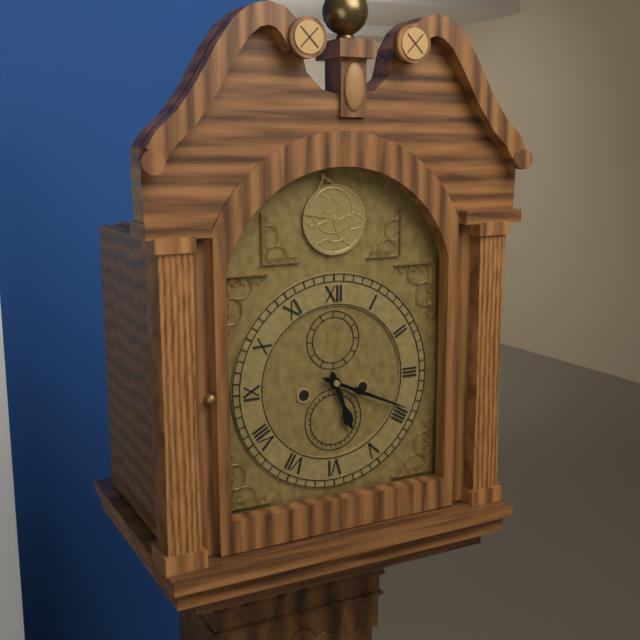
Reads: 5,19
